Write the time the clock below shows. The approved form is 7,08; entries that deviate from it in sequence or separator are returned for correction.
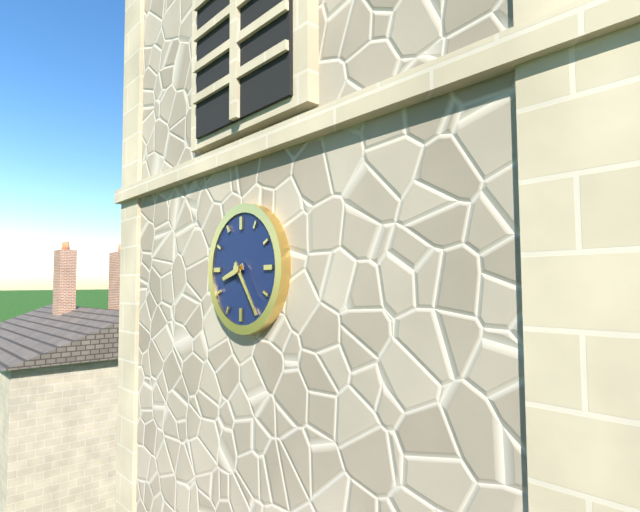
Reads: 8,24
